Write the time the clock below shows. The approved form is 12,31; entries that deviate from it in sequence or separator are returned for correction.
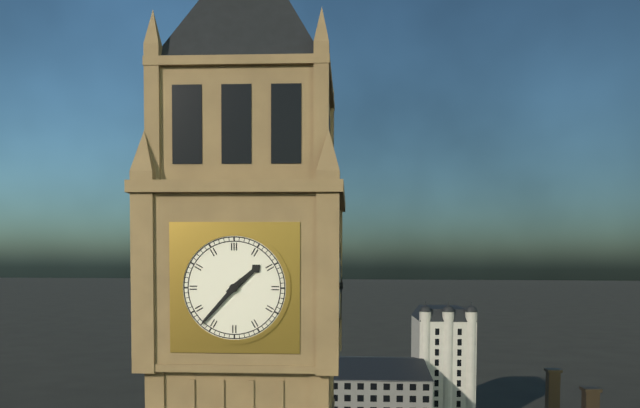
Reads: 1,37
